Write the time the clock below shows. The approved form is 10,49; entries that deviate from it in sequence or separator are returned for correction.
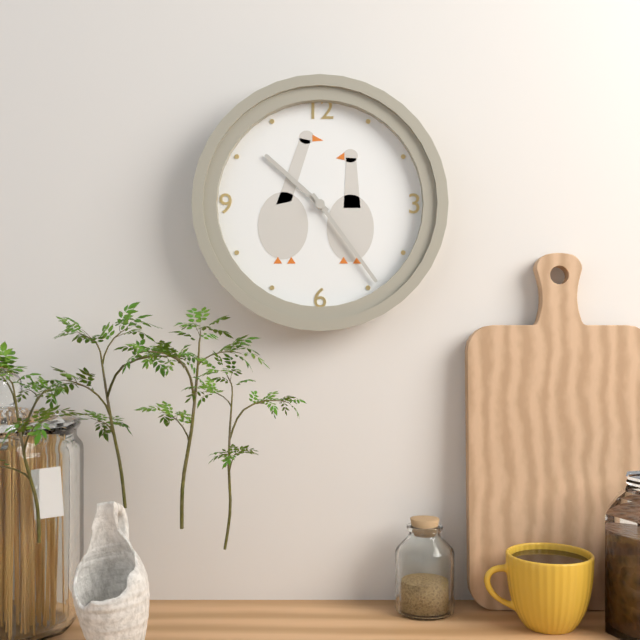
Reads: 10,24
